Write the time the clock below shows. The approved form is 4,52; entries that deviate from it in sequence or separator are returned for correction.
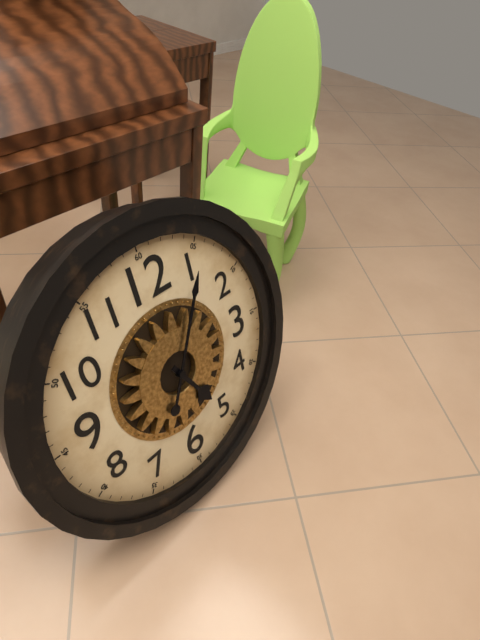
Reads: 5,05
